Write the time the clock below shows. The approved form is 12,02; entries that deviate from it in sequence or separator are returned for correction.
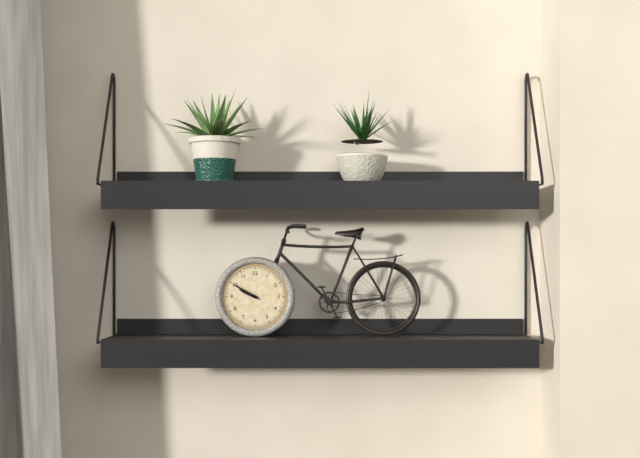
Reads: 9,50
